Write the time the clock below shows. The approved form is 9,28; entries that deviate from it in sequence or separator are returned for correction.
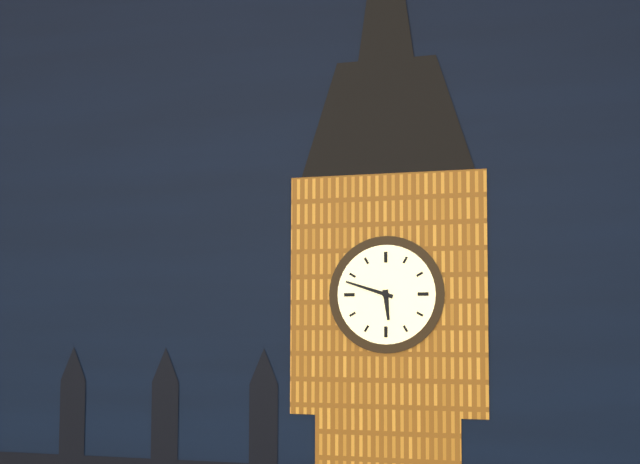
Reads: 5,48
